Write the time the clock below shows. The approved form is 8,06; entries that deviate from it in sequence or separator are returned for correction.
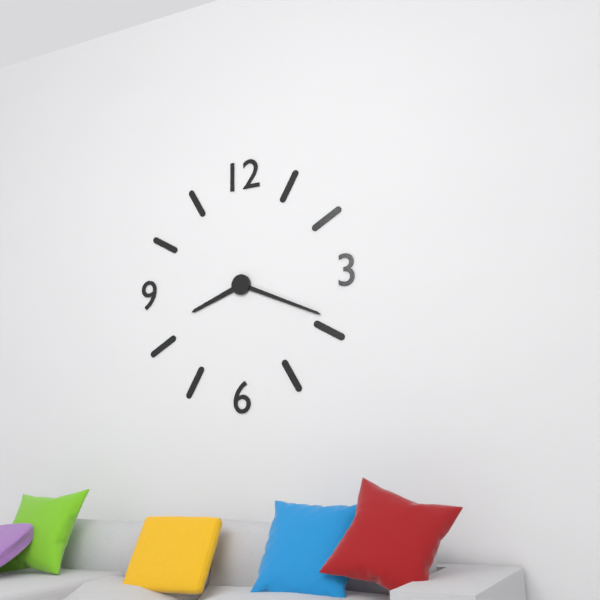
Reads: 8,19
